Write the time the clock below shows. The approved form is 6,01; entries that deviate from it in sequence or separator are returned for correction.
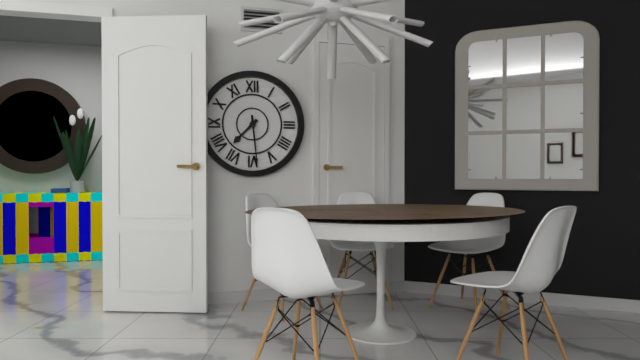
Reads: 7,29
